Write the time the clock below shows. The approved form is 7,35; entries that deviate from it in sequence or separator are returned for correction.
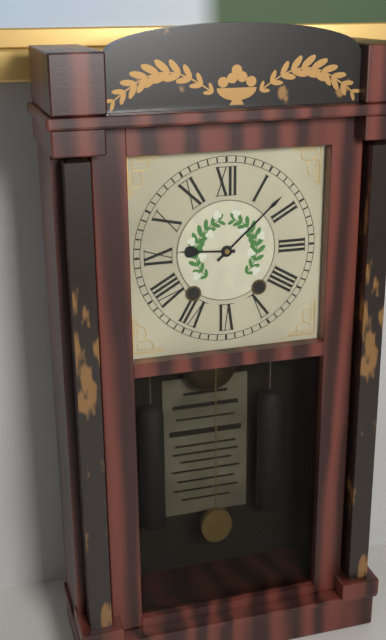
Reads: 9,08
